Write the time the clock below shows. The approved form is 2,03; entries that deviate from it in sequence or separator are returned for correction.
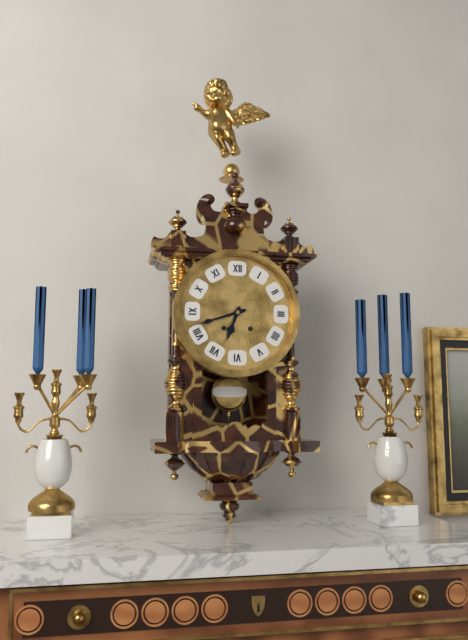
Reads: 6,42
